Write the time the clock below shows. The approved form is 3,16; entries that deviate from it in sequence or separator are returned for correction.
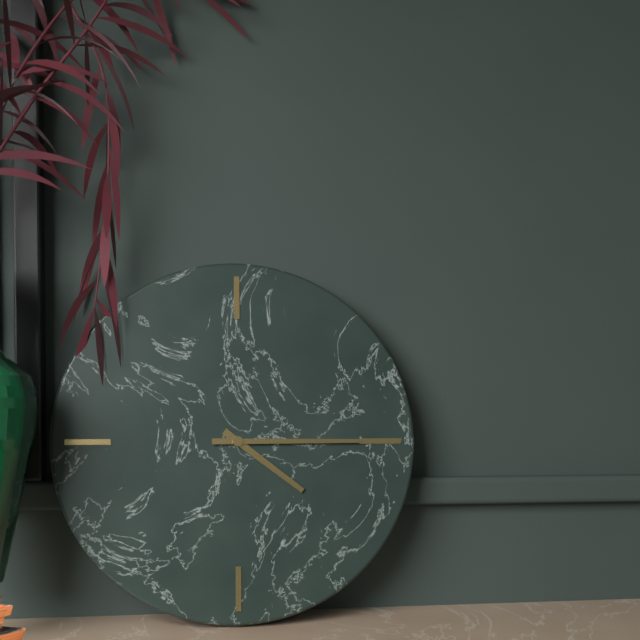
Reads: 4,15
